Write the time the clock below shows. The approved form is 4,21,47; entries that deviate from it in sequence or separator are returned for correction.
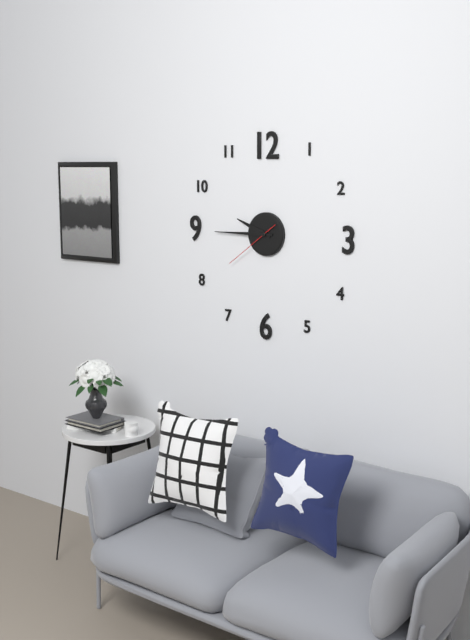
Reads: 9,45,39
